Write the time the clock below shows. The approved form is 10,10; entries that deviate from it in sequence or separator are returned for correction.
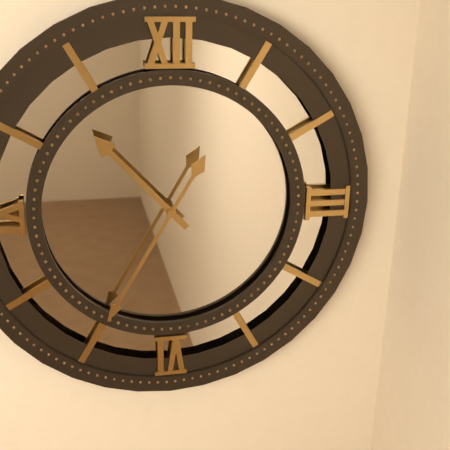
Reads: 10,35
